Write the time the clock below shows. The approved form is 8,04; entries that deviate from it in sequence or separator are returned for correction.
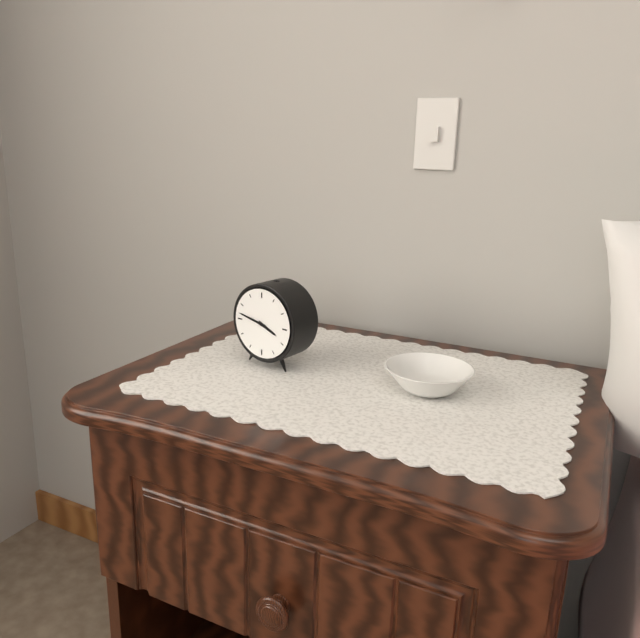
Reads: 3,47
